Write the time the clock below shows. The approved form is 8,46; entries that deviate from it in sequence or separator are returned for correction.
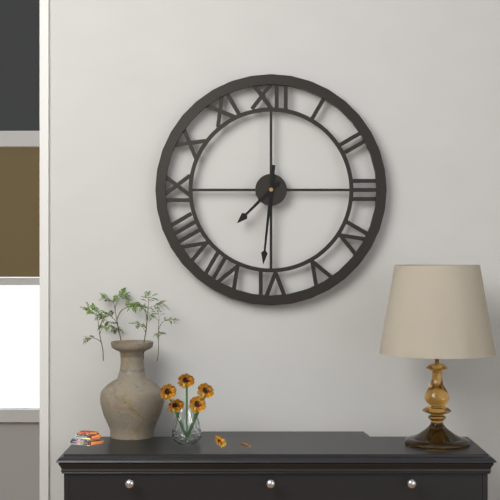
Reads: 7,31
